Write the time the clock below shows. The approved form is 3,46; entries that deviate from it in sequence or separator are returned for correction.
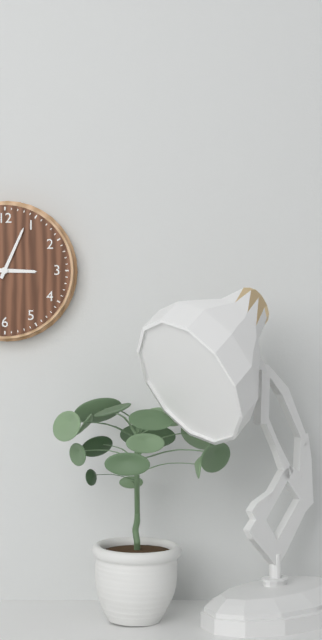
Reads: 3,04
